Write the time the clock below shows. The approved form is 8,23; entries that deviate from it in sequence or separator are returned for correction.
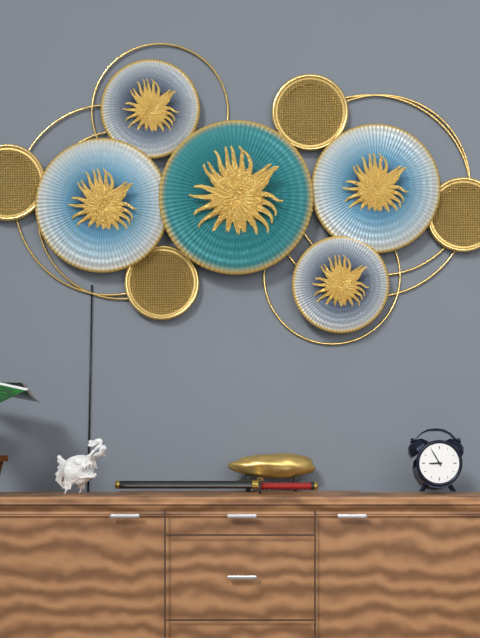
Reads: 8,55
